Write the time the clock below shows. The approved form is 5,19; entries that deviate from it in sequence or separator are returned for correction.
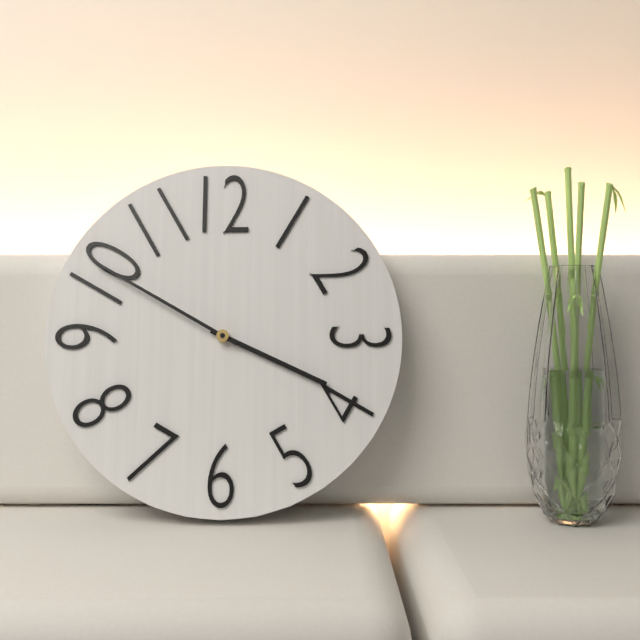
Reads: 3,50
